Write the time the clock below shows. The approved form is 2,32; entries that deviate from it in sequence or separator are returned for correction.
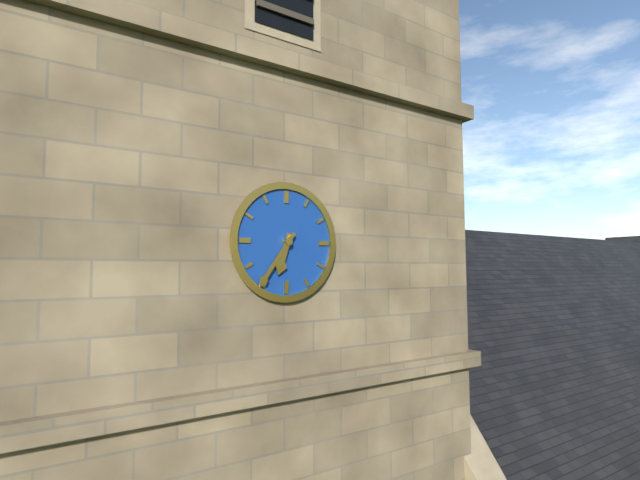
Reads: 6,36
